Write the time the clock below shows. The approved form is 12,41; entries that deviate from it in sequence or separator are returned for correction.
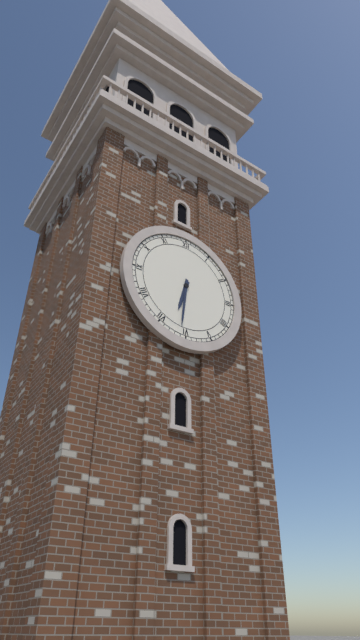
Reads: 6,31
